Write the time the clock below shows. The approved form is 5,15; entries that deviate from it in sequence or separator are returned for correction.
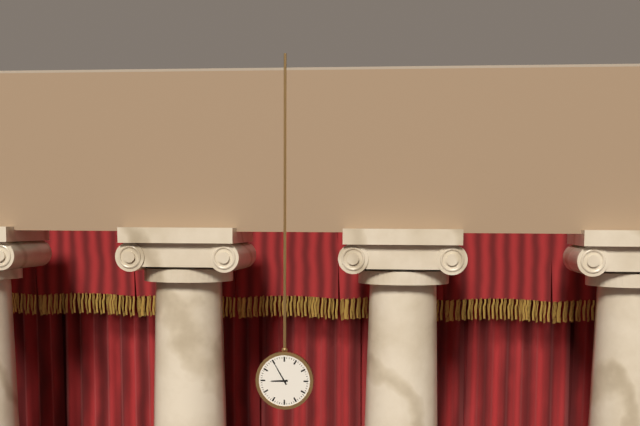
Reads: 8,55
